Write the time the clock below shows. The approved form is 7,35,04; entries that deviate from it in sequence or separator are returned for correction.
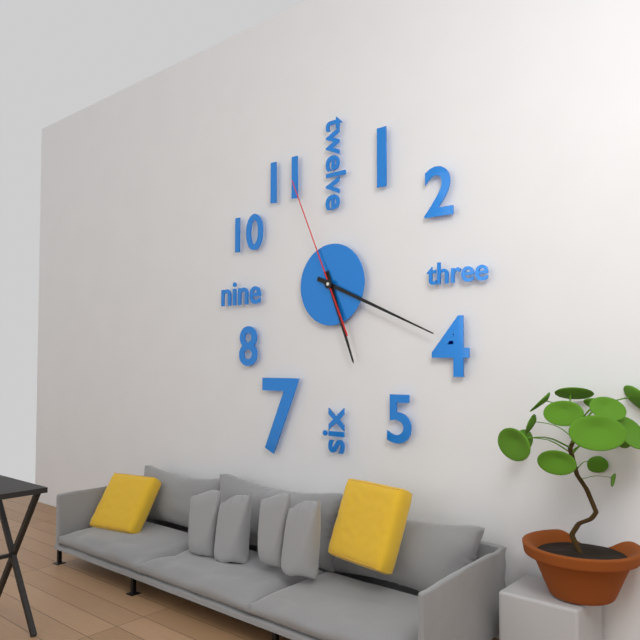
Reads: 5,19,56
